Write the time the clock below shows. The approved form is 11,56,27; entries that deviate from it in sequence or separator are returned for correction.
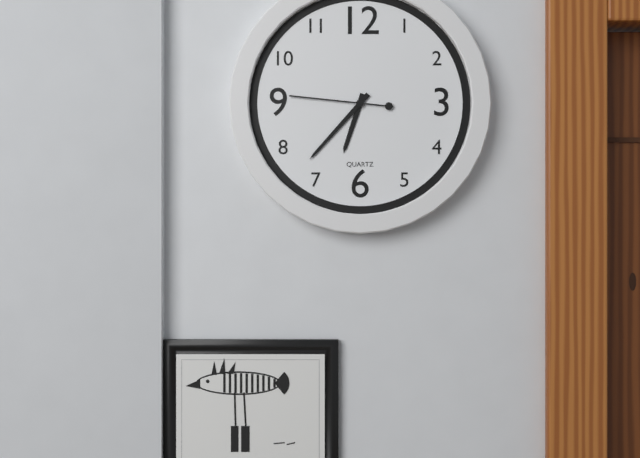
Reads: 6,37,46
